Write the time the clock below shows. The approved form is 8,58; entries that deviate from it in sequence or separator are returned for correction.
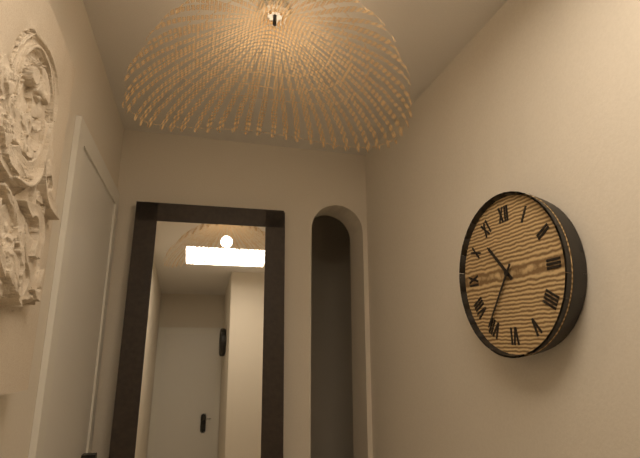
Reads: 10,36
